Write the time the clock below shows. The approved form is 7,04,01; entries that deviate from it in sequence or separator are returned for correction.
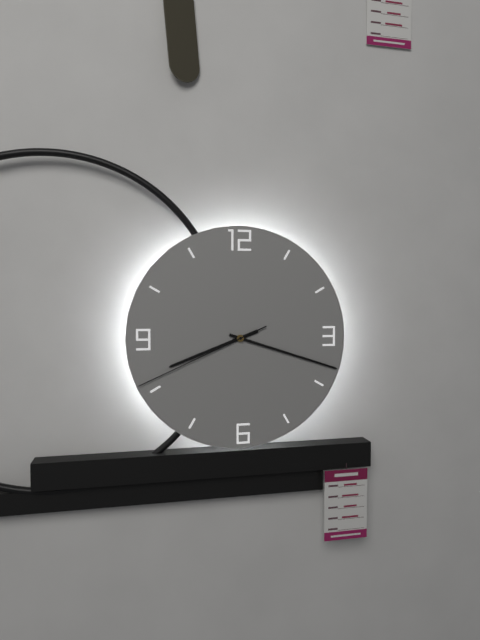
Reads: 8,18,41
